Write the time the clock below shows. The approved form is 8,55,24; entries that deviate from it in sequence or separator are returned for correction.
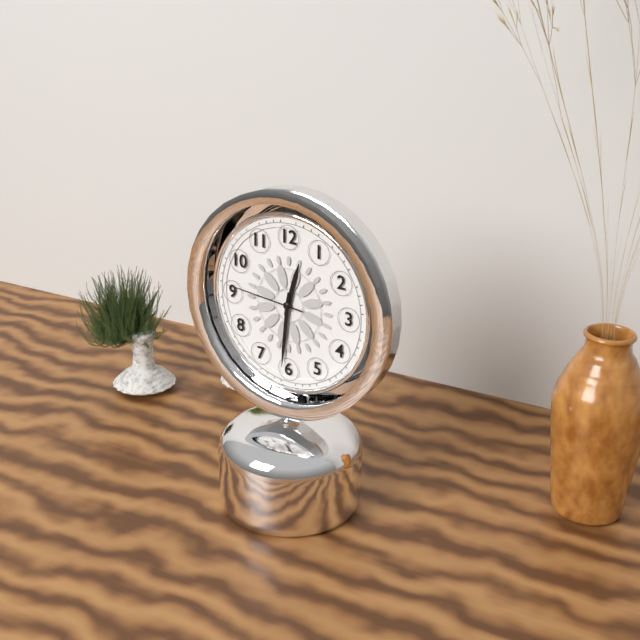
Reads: 12,31,46
